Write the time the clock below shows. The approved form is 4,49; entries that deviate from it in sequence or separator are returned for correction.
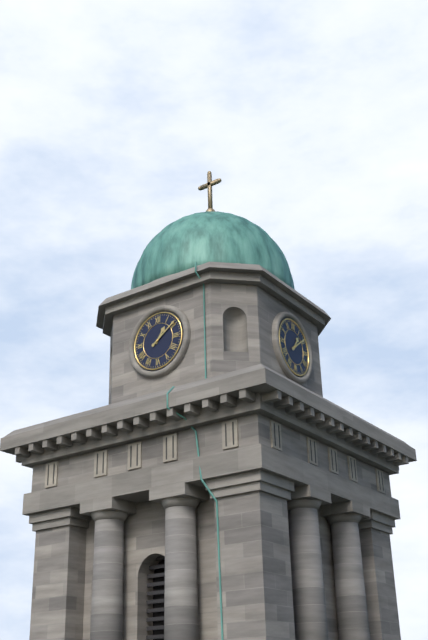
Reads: 1,09
